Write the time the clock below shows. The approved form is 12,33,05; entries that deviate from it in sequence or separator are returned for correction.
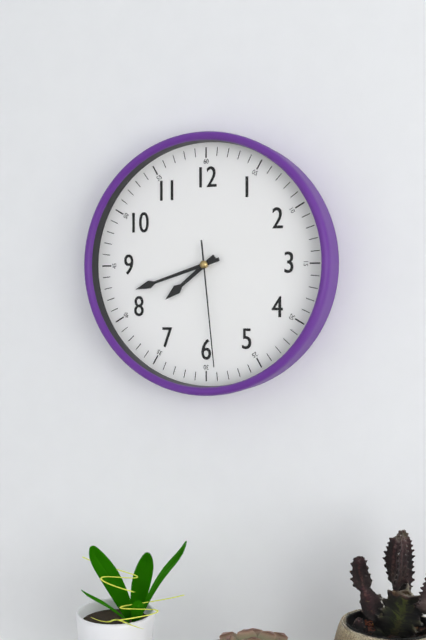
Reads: 7,42,29
